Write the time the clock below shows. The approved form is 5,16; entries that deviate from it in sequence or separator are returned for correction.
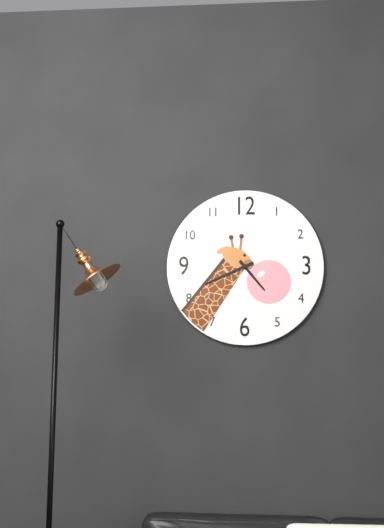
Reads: 4,41
